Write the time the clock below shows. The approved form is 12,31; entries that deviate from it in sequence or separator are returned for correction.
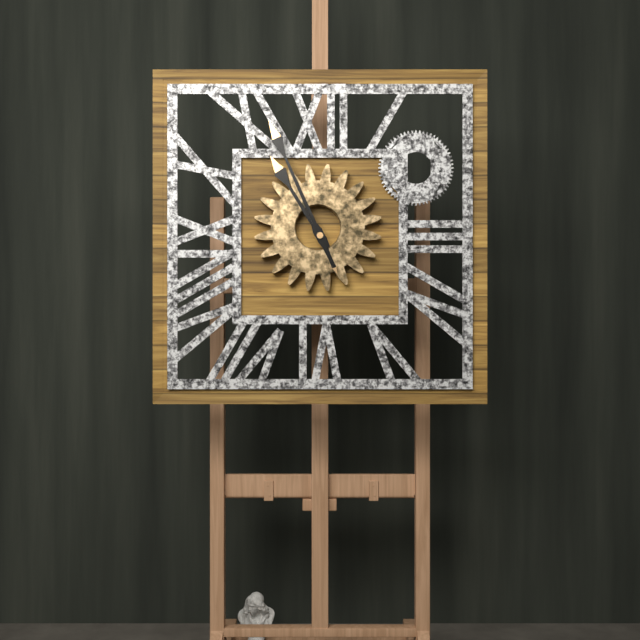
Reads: 10,56
